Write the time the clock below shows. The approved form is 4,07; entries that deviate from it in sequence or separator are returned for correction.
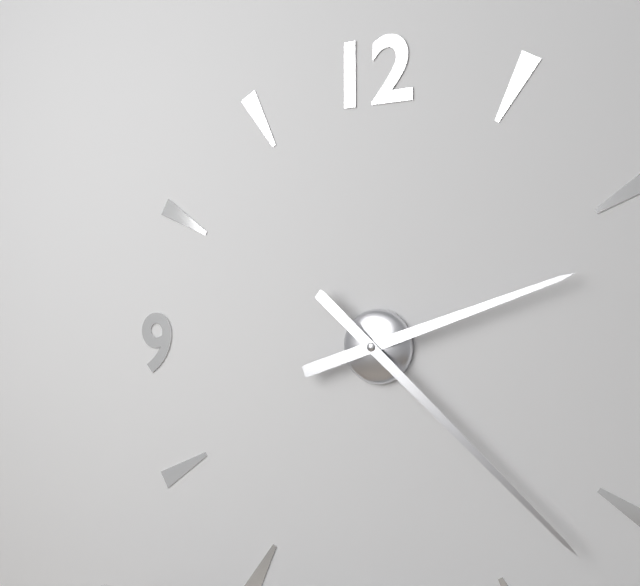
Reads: 2,22
